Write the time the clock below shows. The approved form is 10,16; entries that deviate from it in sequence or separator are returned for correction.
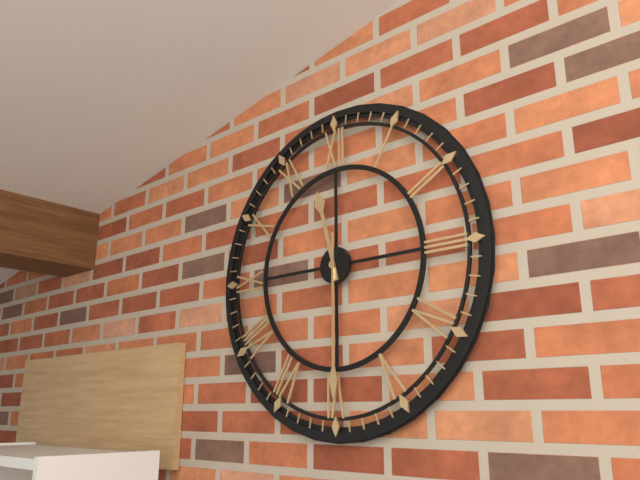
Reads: 11,30
